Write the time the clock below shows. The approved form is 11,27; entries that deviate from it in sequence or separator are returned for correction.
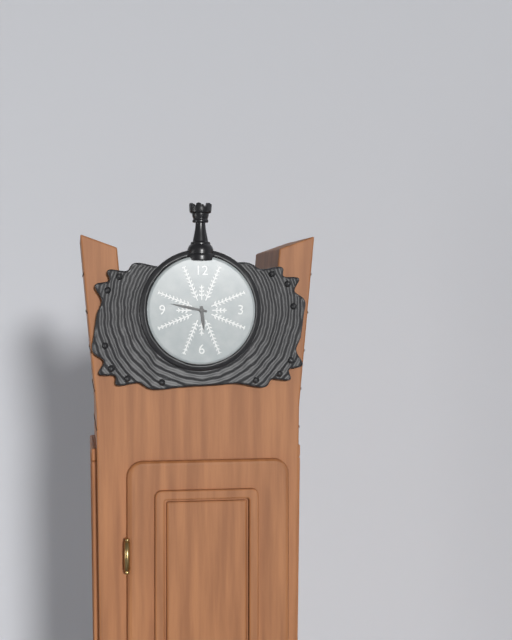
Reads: 5,47
